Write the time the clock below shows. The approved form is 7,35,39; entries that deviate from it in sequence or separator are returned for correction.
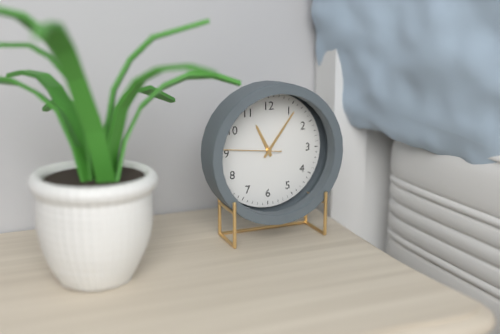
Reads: 11,06,46
